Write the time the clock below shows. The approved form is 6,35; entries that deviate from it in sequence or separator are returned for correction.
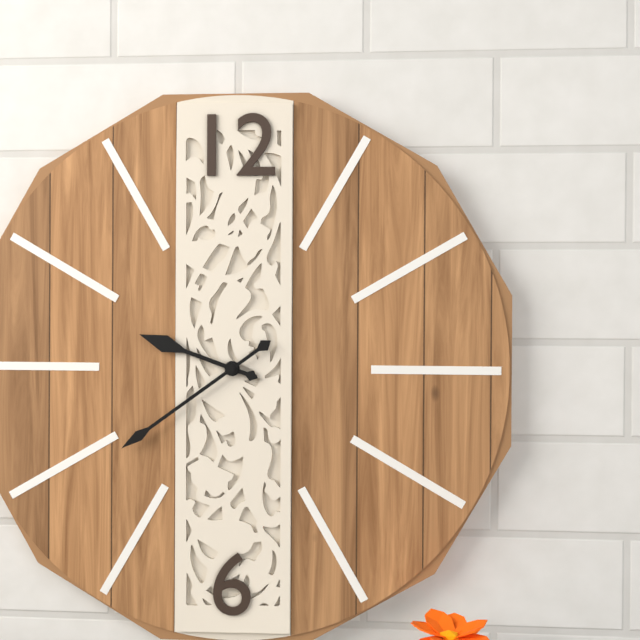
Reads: 9,39
